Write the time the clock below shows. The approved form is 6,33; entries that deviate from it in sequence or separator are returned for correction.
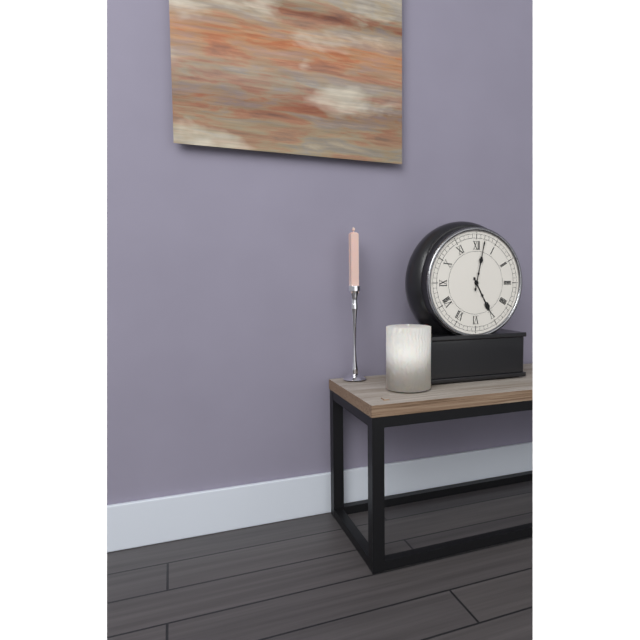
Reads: 5,02
